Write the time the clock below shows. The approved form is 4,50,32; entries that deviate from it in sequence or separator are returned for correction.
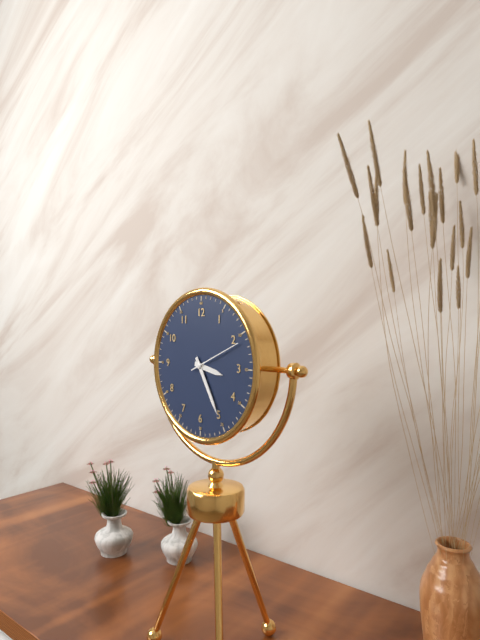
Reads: 3,25,11
